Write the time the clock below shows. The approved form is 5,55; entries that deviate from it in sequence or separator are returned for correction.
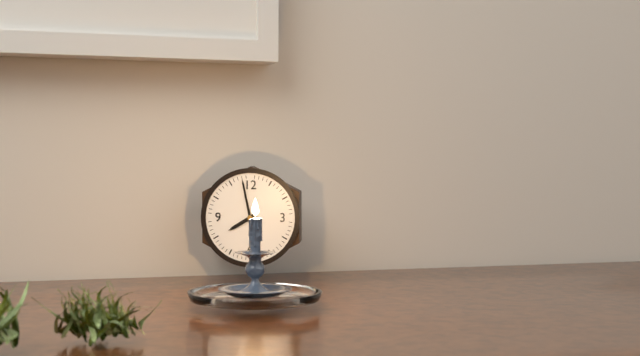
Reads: 7,58
